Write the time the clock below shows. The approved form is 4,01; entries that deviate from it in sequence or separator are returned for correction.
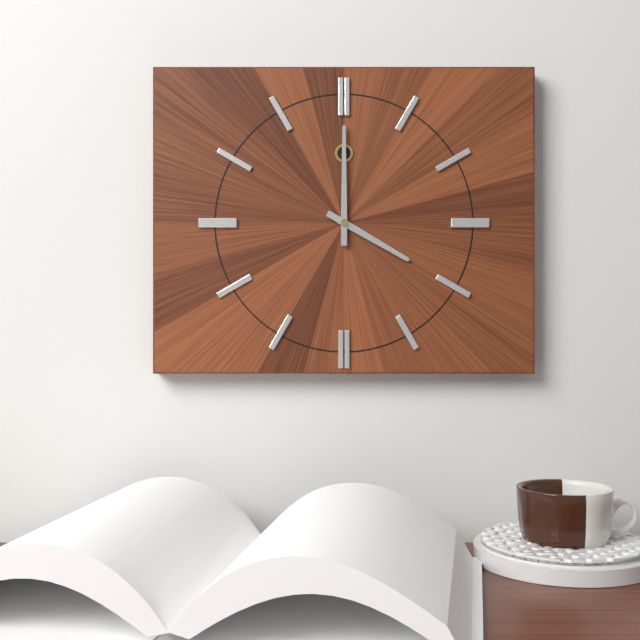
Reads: 4,00
